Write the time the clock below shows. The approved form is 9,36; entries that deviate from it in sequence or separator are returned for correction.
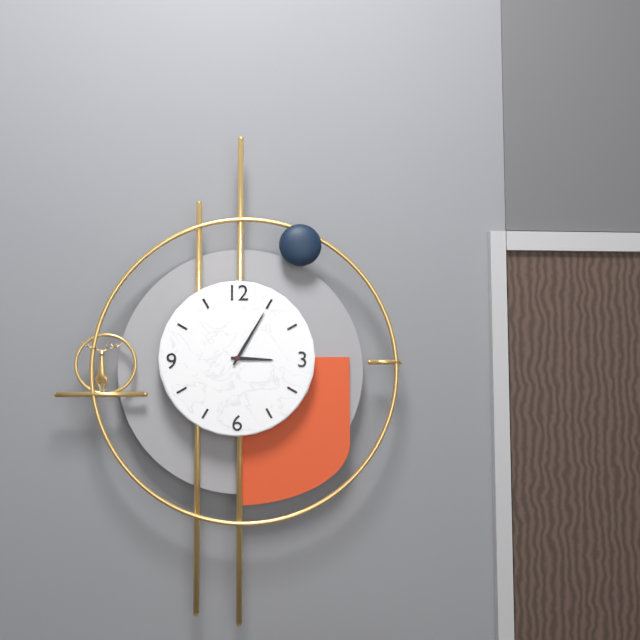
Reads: 3,05
